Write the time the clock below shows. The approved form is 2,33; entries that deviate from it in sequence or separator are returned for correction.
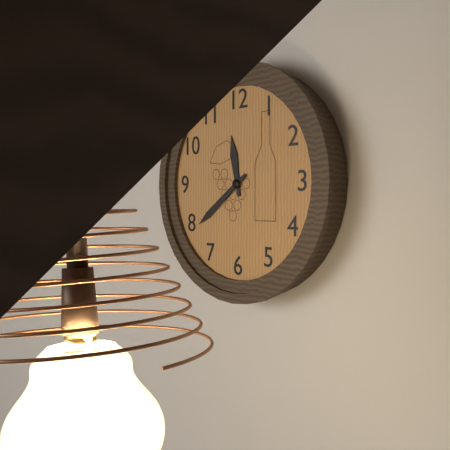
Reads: 11,39
